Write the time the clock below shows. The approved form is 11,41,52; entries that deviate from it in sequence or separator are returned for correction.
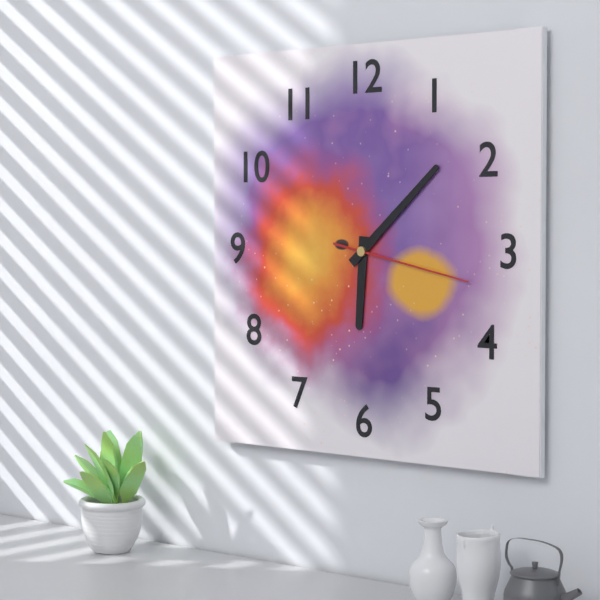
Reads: 6,08,17
